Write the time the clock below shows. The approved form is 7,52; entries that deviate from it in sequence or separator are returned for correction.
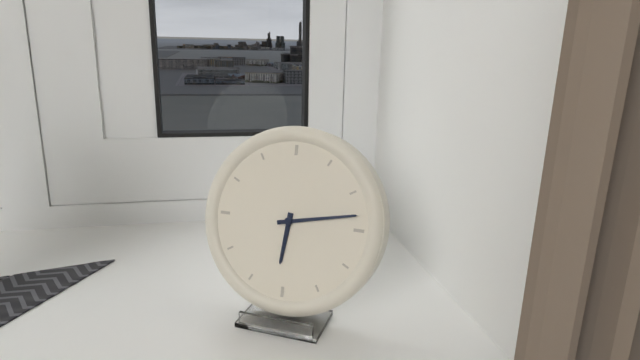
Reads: 6,13
